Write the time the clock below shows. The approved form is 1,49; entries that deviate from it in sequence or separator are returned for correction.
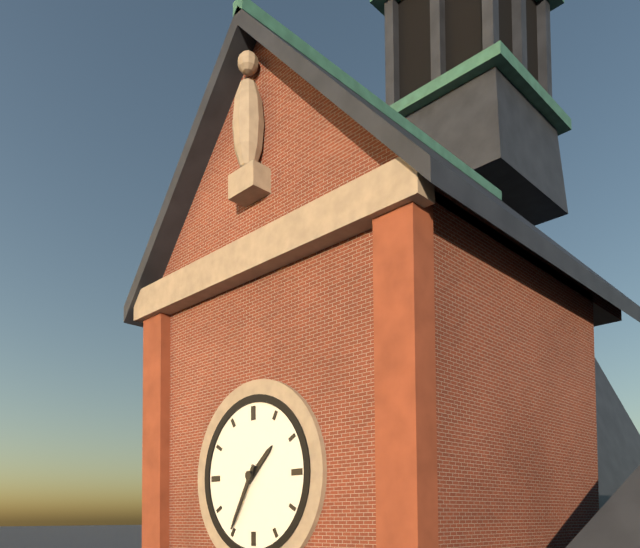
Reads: 1,35
